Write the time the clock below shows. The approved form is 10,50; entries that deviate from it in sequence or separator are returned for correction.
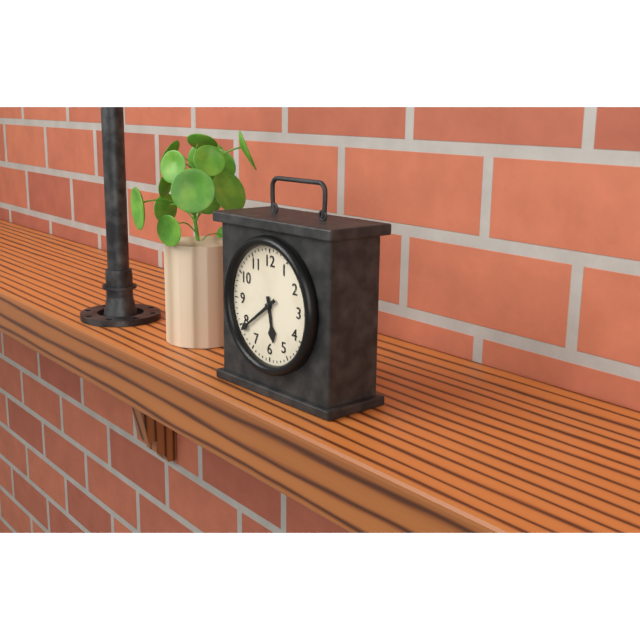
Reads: 5,39
